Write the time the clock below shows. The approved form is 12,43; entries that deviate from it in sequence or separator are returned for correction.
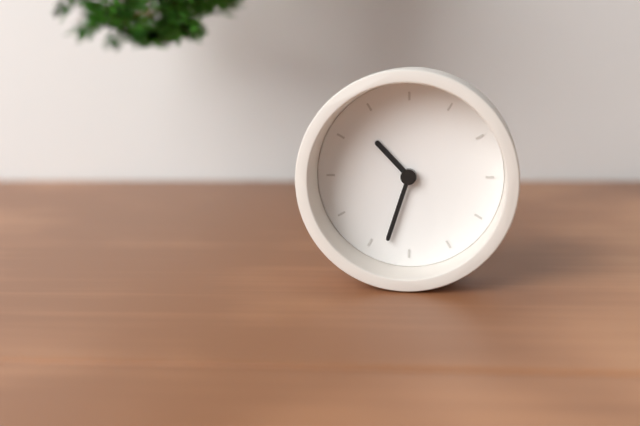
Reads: 10,33
